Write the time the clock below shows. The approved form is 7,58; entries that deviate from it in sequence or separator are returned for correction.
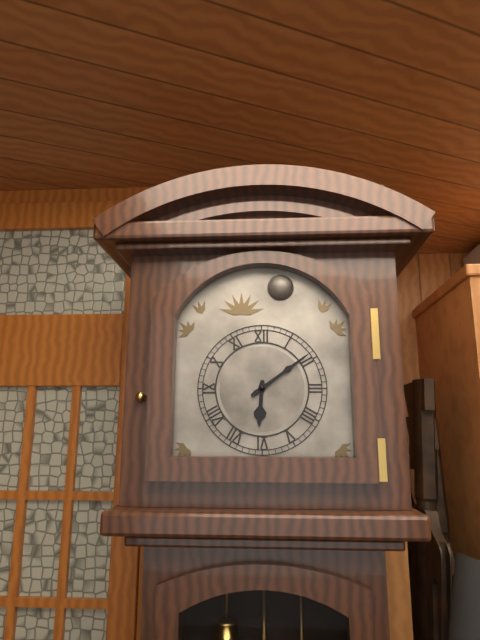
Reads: 6,09
